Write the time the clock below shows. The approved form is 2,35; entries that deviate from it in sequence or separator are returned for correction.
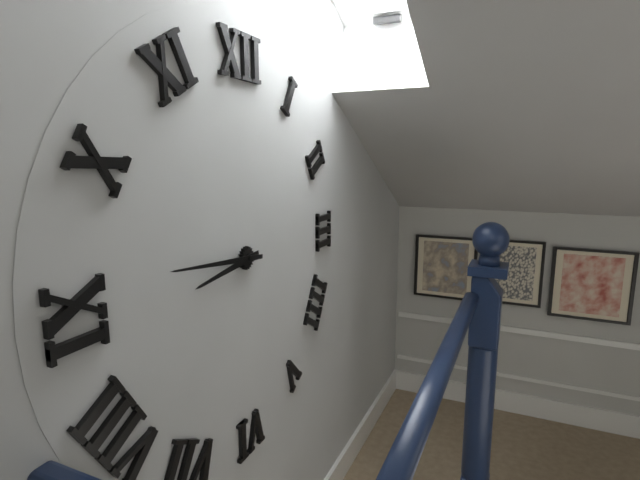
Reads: 8,46
